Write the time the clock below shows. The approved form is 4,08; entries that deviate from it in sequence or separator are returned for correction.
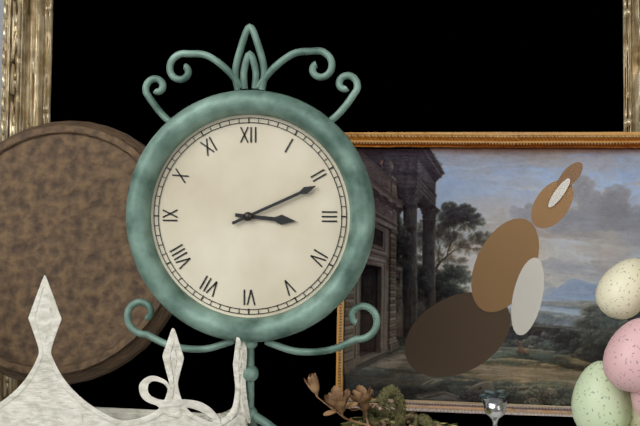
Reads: 3,11
